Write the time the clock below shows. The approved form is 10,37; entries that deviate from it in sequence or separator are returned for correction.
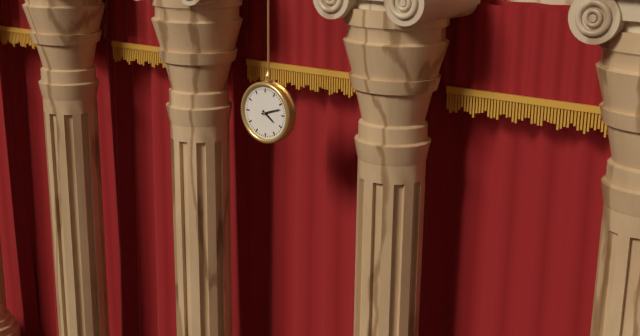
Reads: 4,12
